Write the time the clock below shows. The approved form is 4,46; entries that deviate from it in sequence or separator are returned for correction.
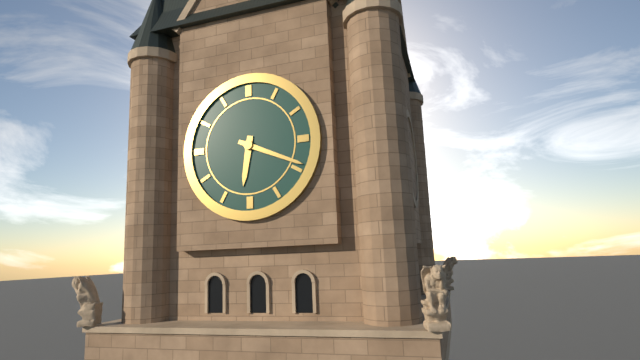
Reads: 6,19
